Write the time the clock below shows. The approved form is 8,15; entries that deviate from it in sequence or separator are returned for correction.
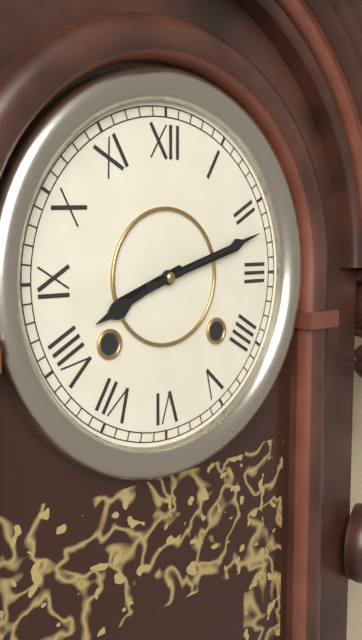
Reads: 8,12
